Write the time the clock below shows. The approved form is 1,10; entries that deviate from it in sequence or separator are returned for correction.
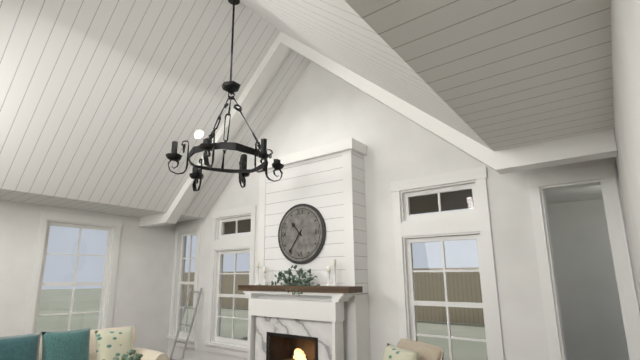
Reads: 10,36
